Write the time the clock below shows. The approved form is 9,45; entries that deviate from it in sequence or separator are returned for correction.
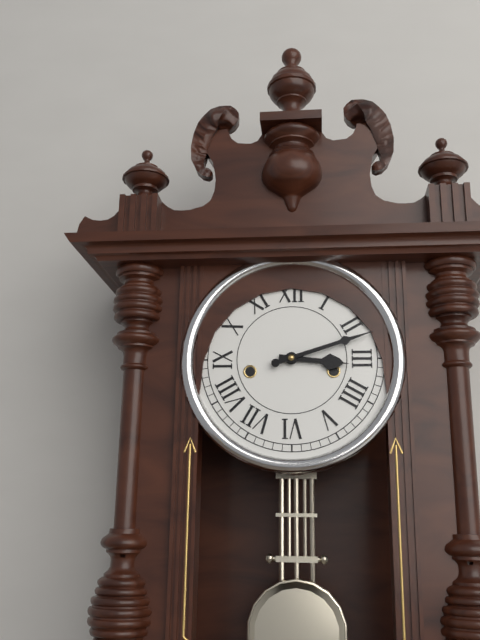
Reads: 3,12
